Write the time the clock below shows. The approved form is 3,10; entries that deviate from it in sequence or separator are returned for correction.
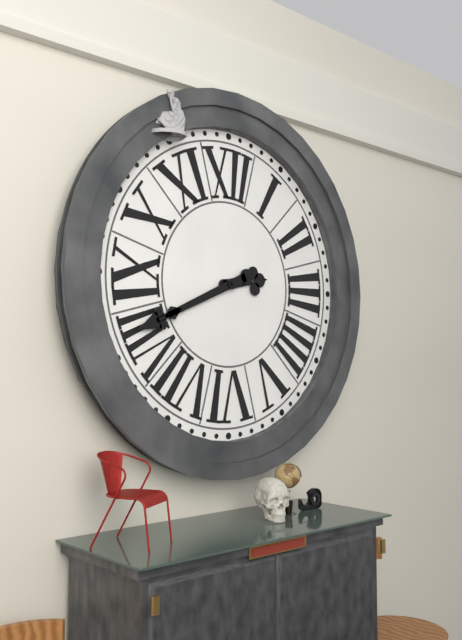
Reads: 2,41
